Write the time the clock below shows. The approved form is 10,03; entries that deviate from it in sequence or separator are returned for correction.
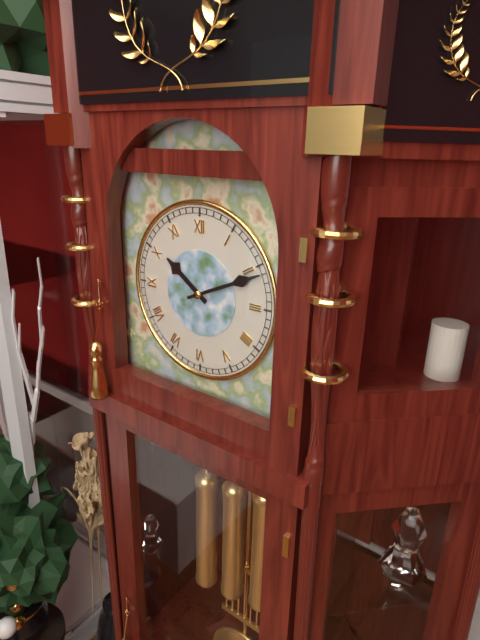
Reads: 10,11
